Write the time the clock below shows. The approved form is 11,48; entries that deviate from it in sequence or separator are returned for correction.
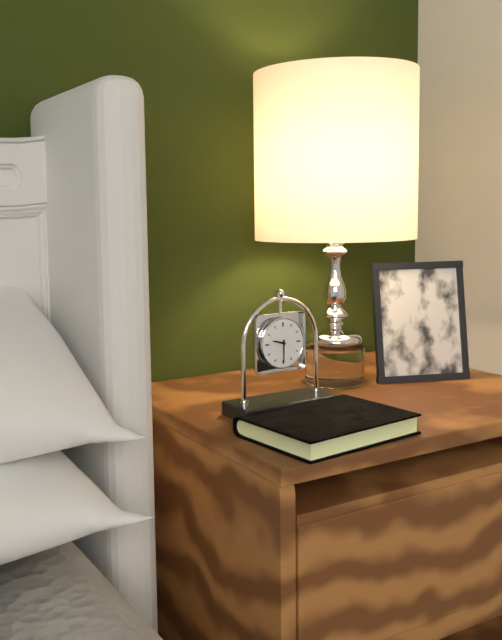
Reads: 9,30
